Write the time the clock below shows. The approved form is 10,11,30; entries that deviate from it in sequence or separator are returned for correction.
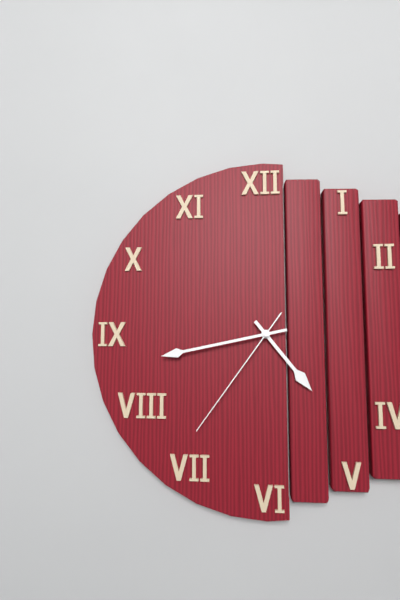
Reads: 4,43,36
